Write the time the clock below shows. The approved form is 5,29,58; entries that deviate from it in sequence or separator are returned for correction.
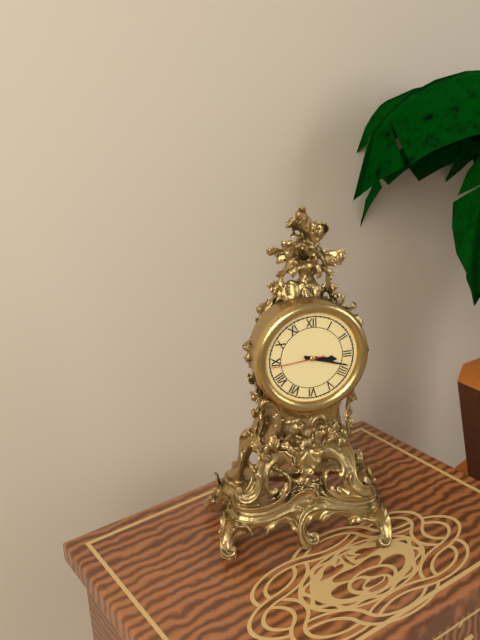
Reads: 3,18,44
